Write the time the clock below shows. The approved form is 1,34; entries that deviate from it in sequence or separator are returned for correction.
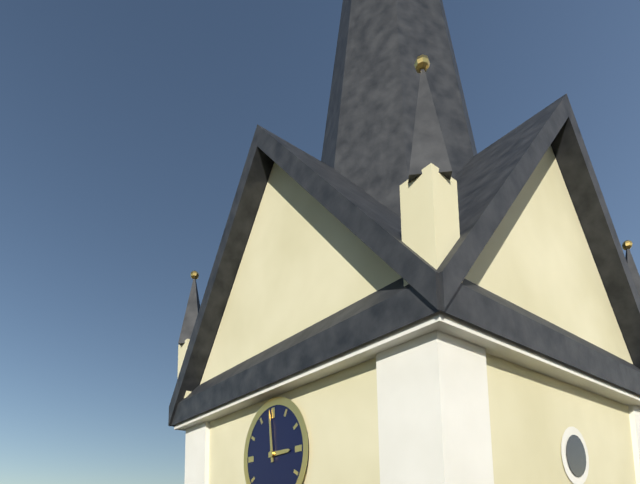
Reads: 2,59
